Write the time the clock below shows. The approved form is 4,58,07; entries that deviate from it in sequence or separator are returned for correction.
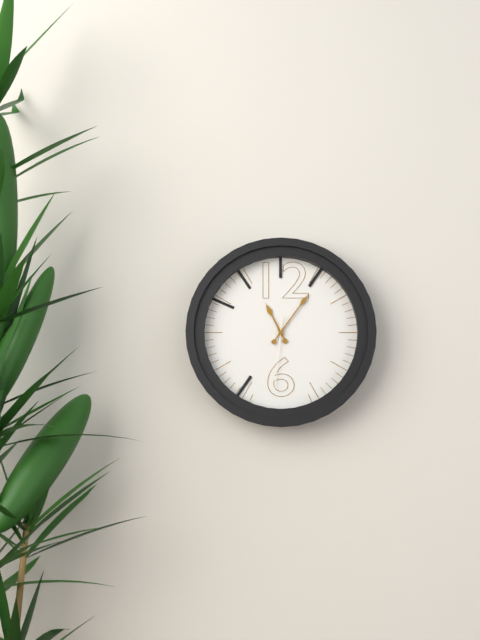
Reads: 11,06,31
